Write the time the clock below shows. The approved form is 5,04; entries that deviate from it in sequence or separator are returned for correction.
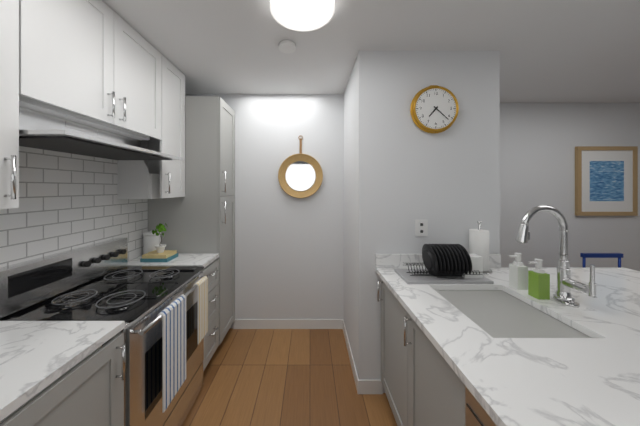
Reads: 7,22
